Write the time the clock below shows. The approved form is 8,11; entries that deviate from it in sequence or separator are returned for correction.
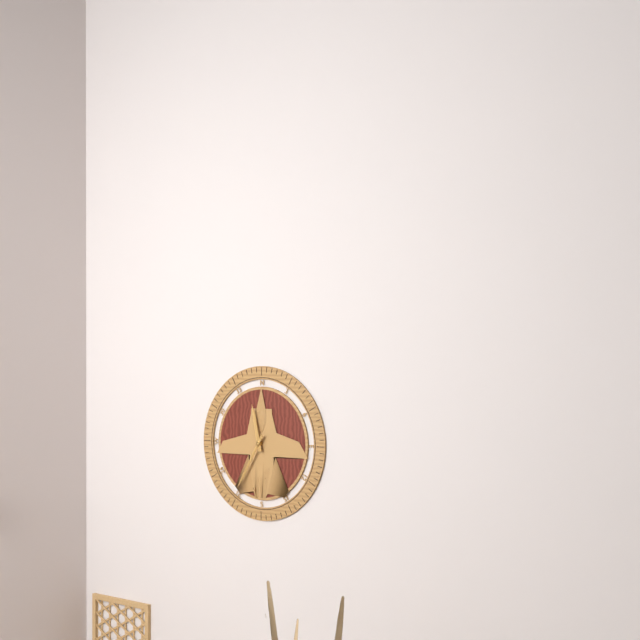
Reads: 11,35
